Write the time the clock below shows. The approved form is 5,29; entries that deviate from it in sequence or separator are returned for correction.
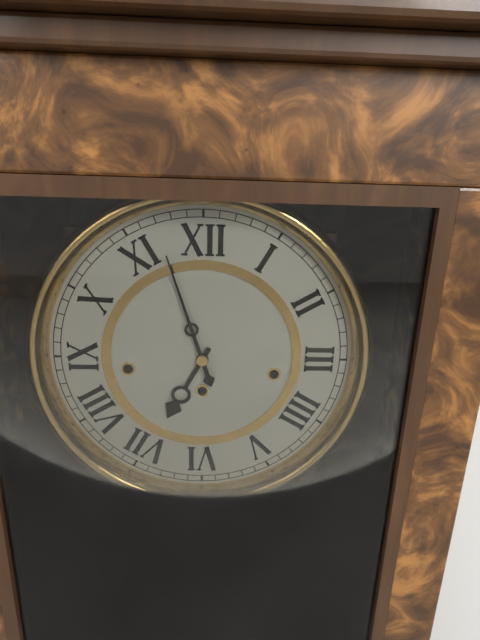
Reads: 6,57
